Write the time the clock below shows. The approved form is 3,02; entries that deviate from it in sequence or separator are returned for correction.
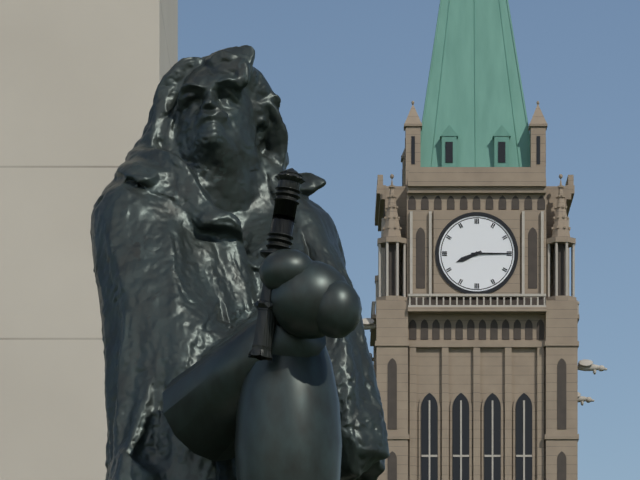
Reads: 8,15
